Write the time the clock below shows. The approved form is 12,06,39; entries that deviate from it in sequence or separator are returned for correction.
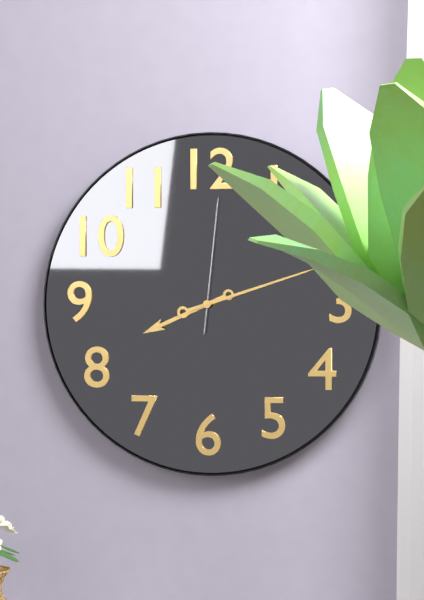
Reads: 8,12,01
